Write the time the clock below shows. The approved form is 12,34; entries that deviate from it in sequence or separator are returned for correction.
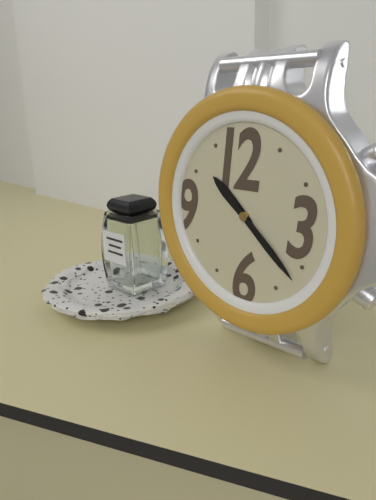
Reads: 10,22
